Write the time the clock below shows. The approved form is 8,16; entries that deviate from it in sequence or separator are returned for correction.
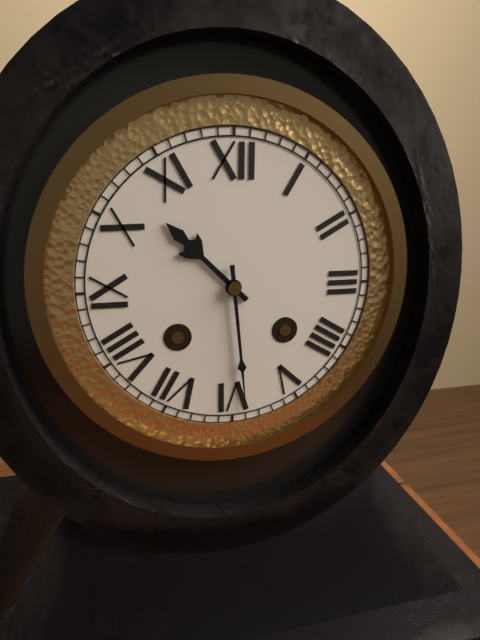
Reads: 10,29
